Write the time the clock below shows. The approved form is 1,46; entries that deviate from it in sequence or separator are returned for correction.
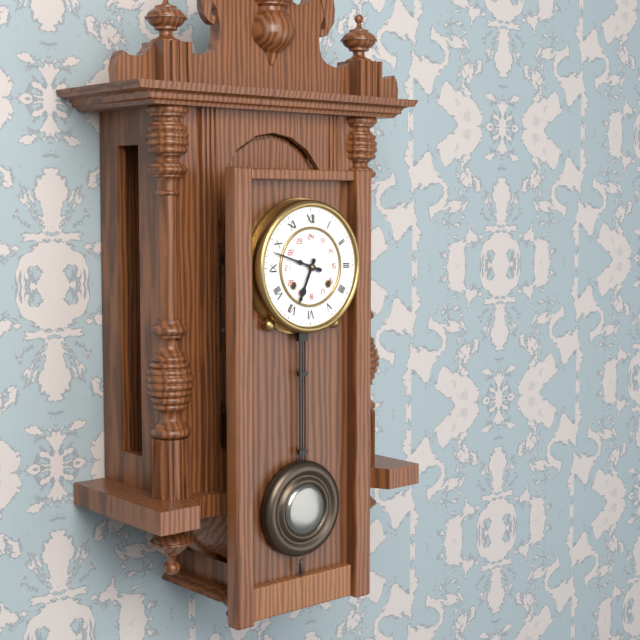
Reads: 6,48
